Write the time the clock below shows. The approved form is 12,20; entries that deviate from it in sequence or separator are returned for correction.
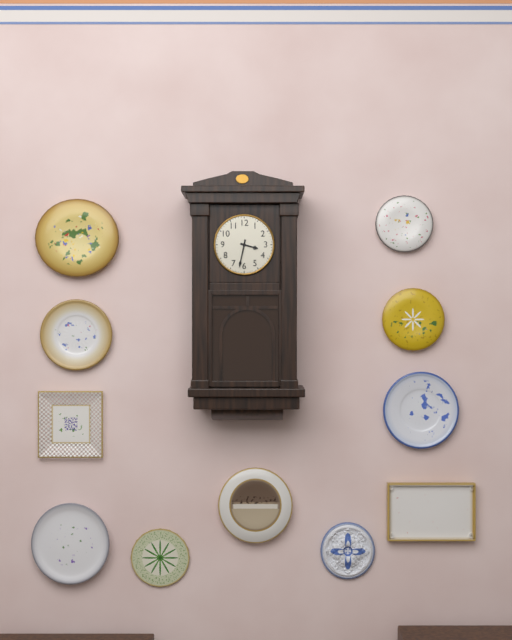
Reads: 3,32
